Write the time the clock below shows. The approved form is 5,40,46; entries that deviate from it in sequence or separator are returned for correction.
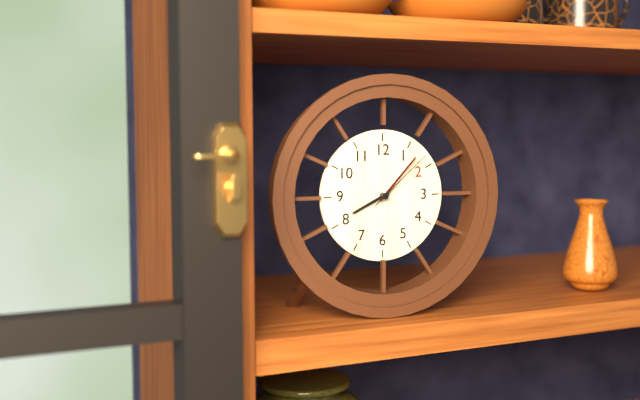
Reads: 8,07,08
